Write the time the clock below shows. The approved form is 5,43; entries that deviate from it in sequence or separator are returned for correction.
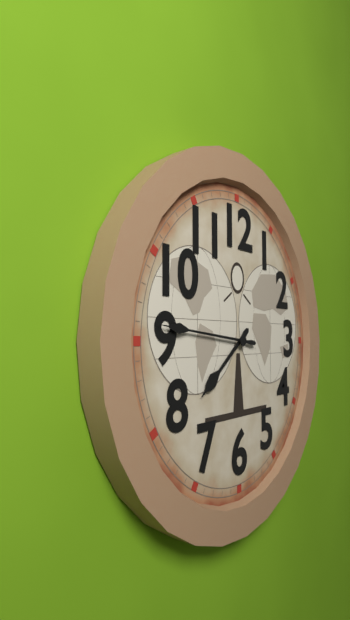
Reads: 7,46
